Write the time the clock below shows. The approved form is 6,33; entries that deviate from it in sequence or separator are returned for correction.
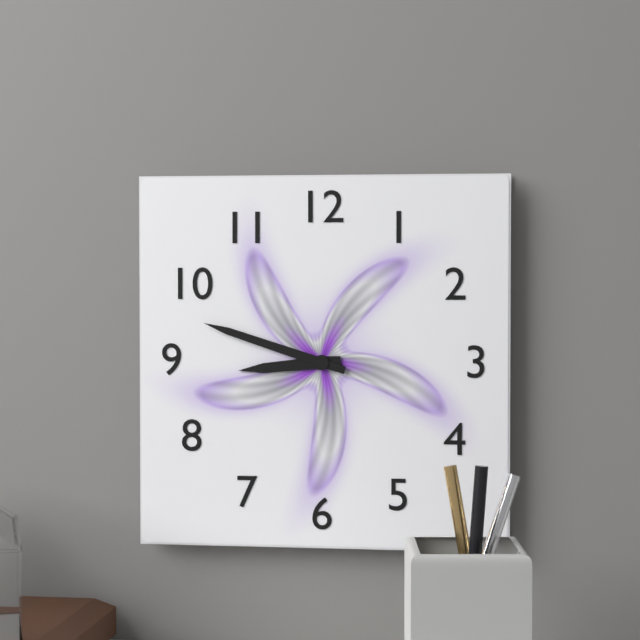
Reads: 8,48
